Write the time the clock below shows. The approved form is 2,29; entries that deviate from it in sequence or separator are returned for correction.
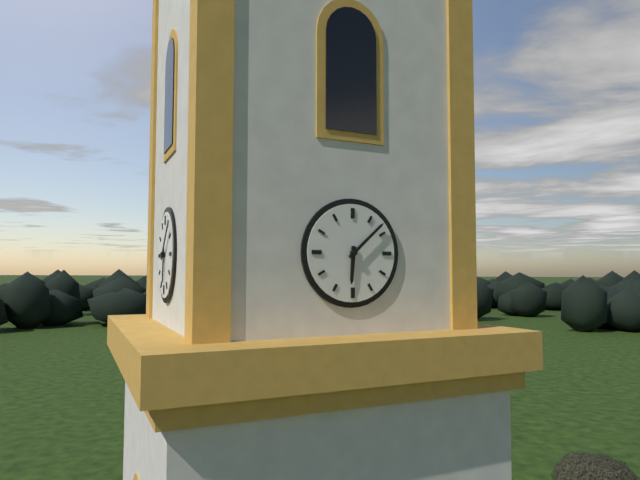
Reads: 6,08
